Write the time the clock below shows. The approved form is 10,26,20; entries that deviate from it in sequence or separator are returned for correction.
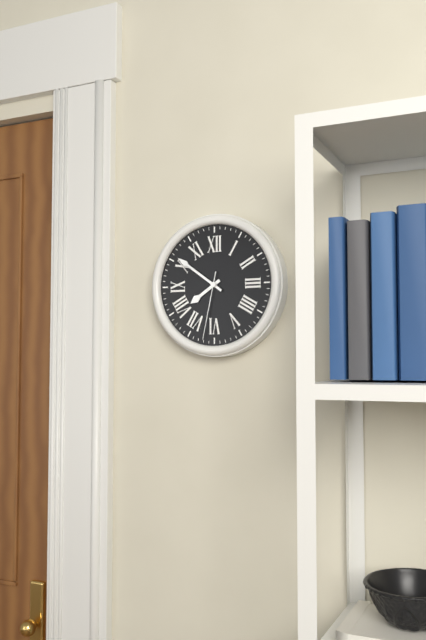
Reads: 7,51,32
